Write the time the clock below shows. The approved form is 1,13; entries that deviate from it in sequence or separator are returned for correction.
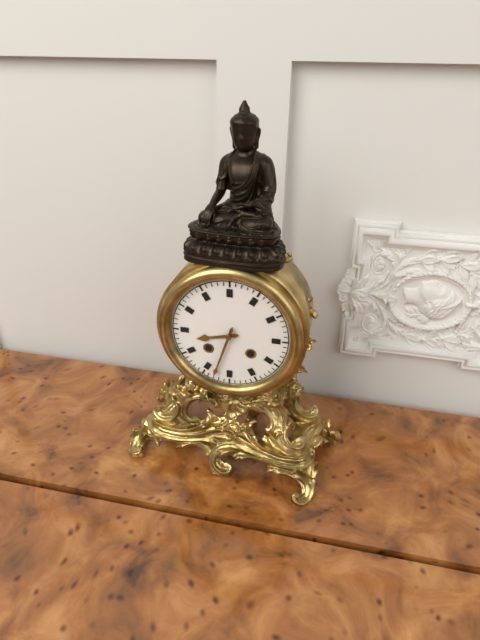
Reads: 8,33
